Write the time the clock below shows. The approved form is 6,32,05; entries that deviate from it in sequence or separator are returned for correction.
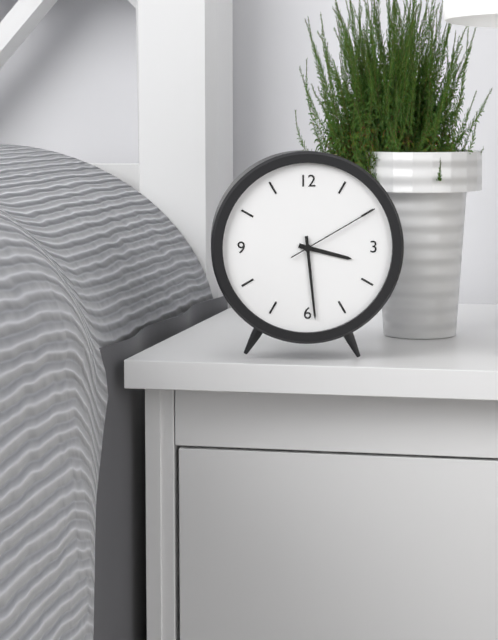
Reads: 3,29,10
